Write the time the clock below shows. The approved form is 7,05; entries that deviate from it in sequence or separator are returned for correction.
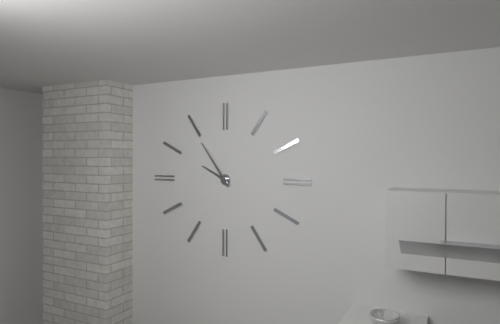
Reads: 9,54
